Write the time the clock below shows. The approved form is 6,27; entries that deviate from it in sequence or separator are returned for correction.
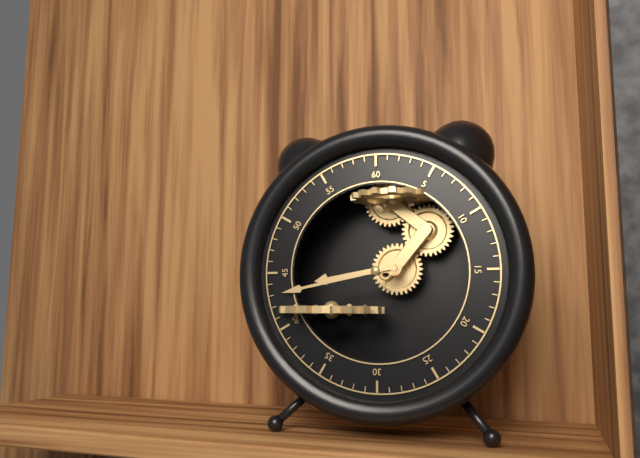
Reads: 8,43
